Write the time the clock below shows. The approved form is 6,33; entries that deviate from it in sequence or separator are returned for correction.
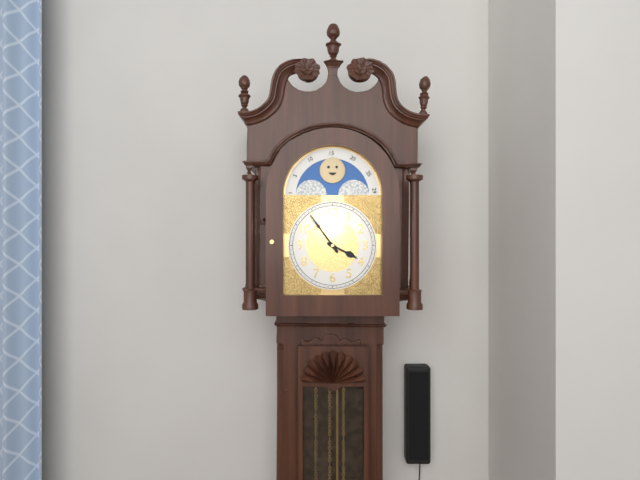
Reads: 3,54
